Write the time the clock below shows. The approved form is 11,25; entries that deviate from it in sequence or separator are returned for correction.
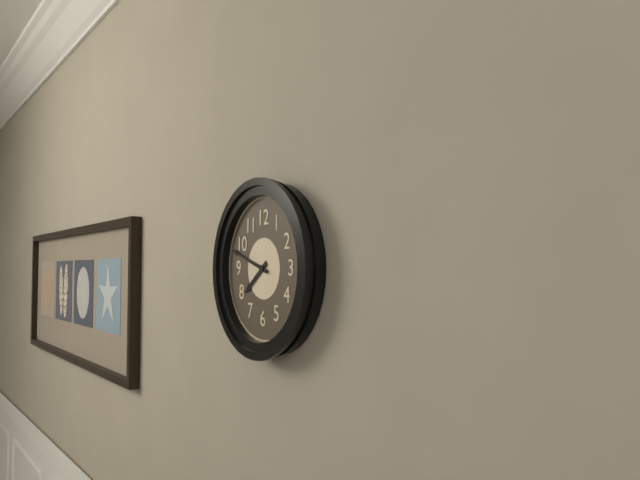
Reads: 7,48
